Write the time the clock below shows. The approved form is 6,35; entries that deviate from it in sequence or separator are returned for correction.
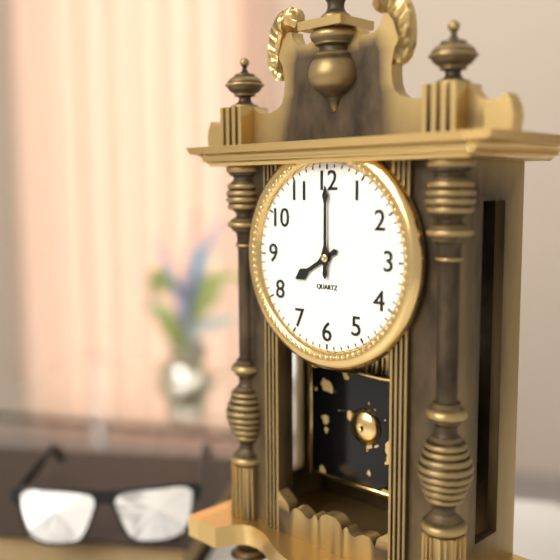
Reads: 8,00
